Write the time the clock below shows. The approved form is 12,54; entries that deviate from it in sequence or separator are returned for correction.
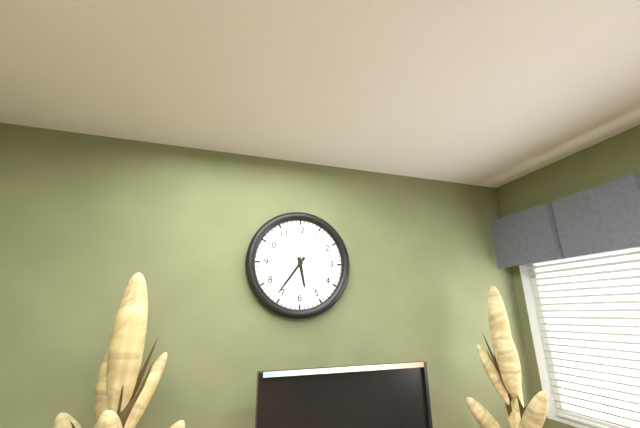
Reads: 5,36
